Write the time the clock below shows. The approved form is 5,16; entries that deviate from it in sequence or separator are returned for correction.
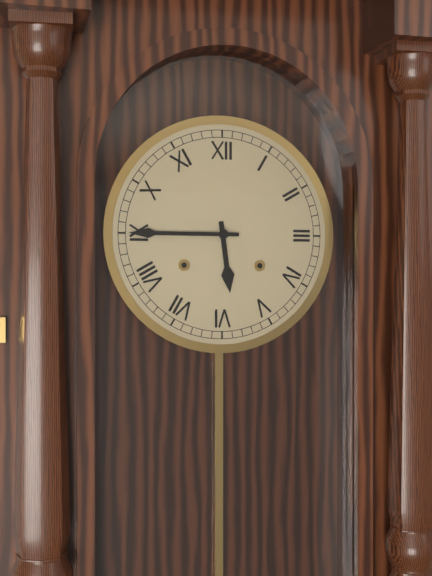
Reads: 5,45
